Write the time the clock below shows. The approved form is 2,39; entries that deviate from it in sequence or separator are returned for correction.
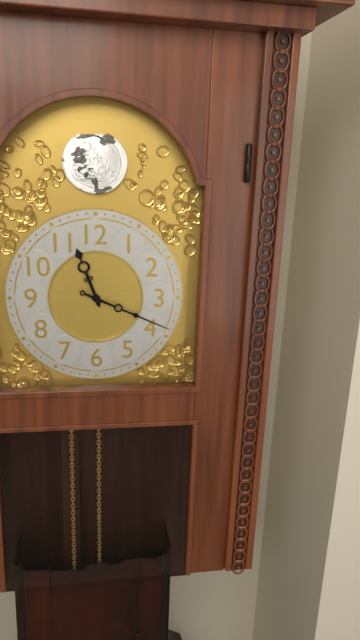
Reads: 11,19
